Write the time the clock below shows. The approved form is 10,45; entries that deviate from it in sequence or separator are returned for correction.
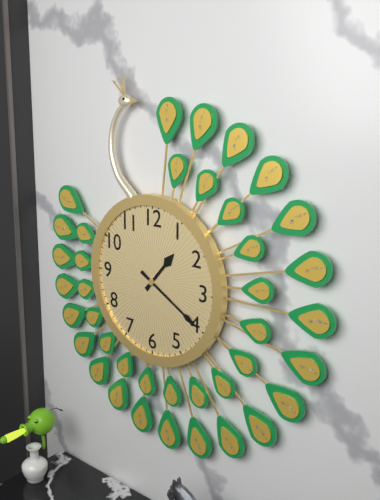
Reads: 1,20
